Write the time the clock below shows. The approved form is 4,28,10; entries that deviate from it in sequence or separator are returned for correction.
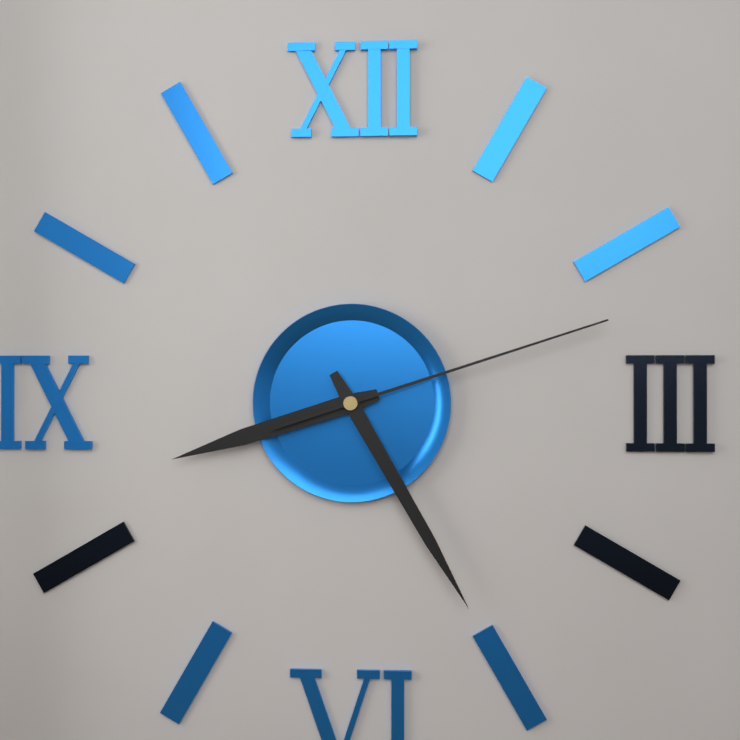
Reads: 8,25,12
